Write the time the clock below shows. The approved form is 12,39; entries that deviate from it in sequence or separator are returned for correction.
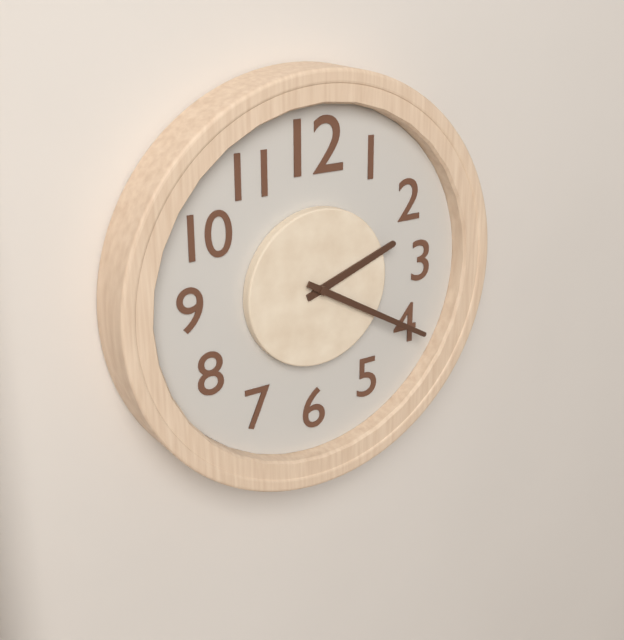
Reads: 2,20
